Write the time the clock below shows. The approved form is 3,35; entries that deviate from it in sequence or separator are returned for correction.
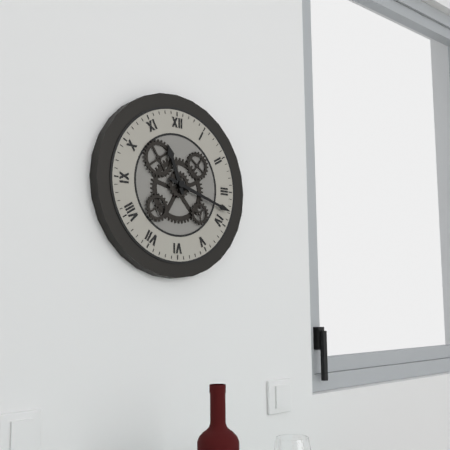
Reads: 11,18
